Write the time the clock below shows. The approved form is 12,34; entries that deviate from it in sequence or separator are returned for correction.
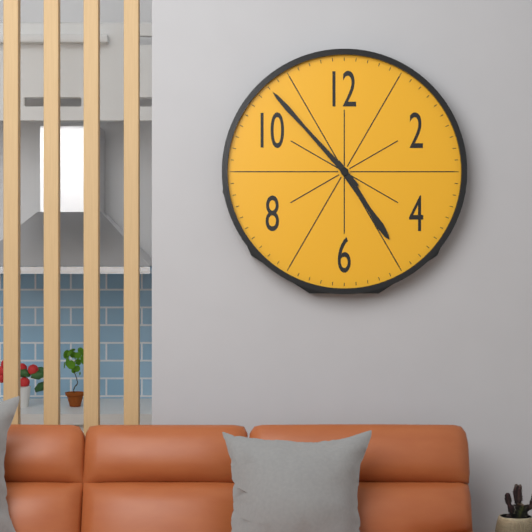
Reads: 4,53
